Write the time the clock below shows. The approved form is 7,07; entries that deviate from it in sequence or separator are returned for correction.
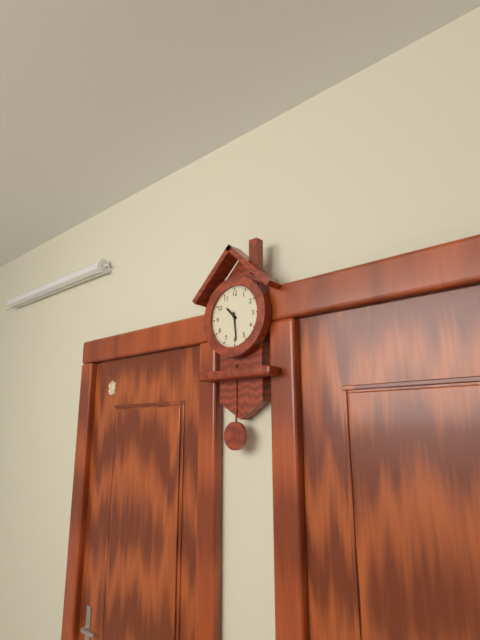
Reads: 10,29
